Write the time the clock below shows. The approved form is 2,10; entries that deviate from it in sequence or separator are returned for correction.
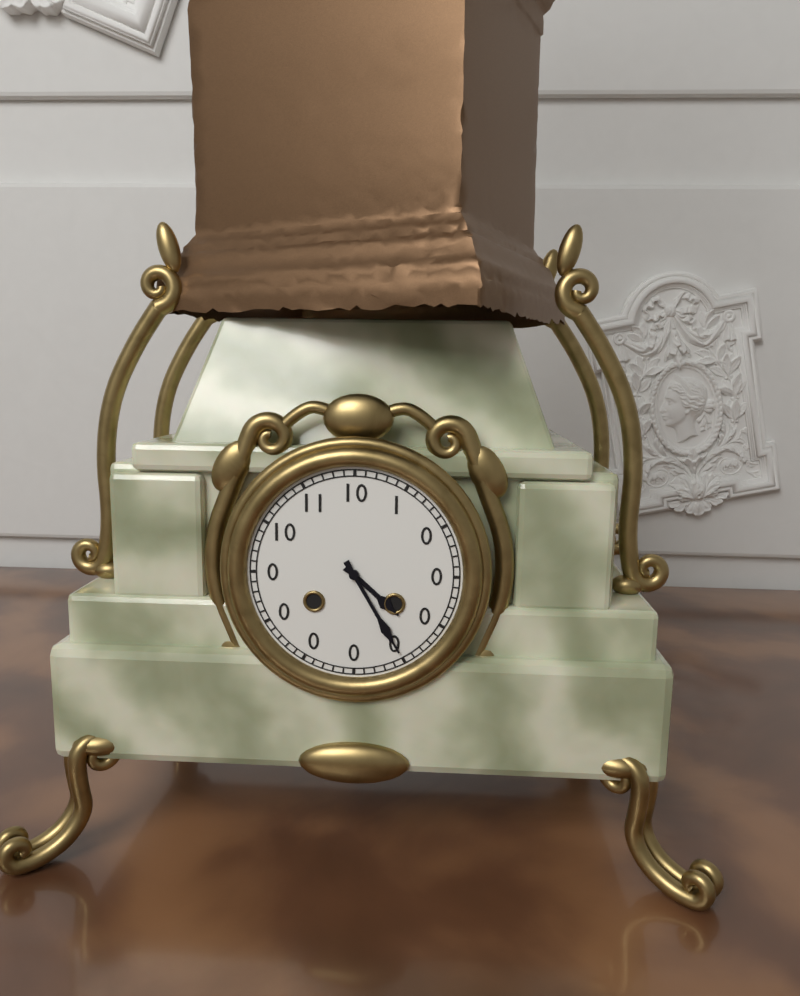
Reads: 4,25
